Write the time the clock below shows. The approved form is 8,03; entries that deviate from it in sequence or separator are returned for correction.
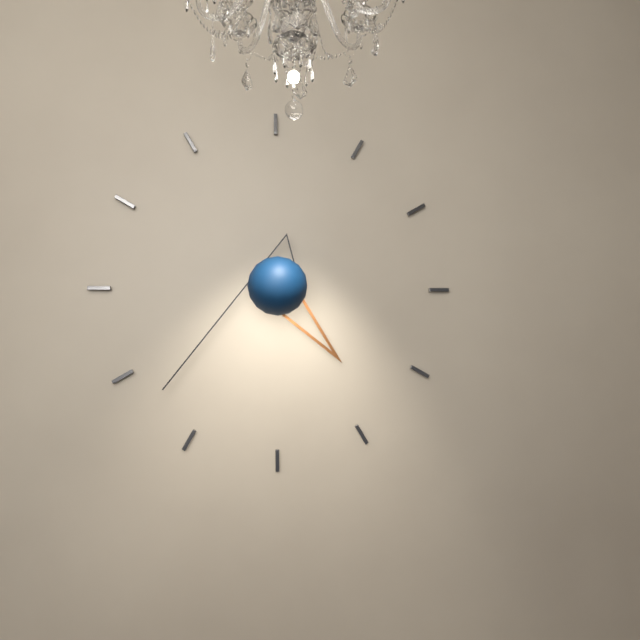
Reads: 4,38
